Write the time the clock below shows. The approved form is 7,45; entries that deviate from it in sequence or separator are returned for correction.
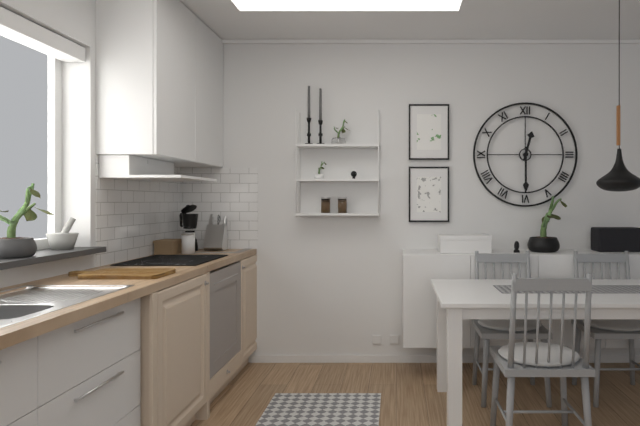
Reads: 12,30
